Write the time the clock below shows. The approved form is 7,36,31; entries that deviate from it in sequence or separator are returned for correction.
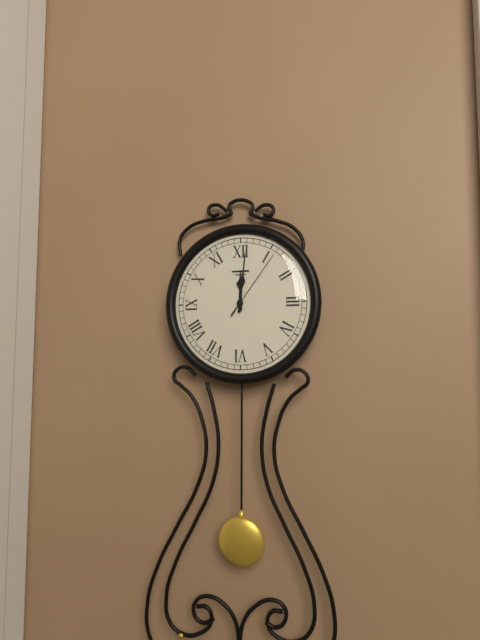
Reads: 12,01,06
